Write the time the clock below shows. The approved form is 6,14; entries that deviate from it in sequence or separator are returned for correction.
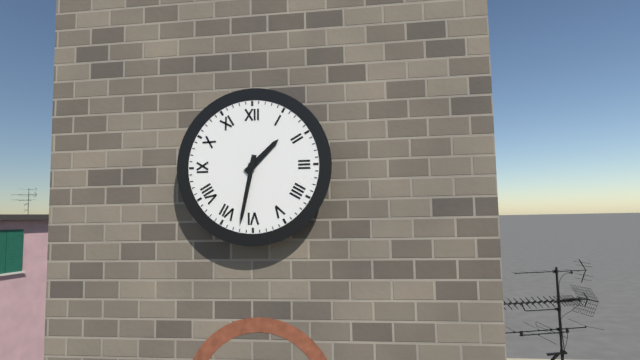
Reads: 1,32
